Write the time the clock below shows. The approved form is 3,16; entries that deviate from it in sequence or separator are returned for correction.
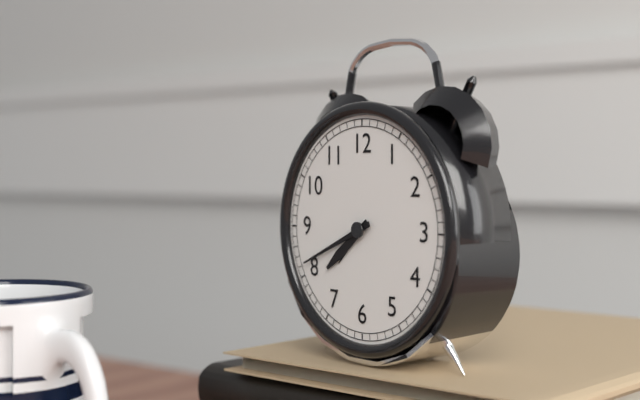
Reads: 7,41
